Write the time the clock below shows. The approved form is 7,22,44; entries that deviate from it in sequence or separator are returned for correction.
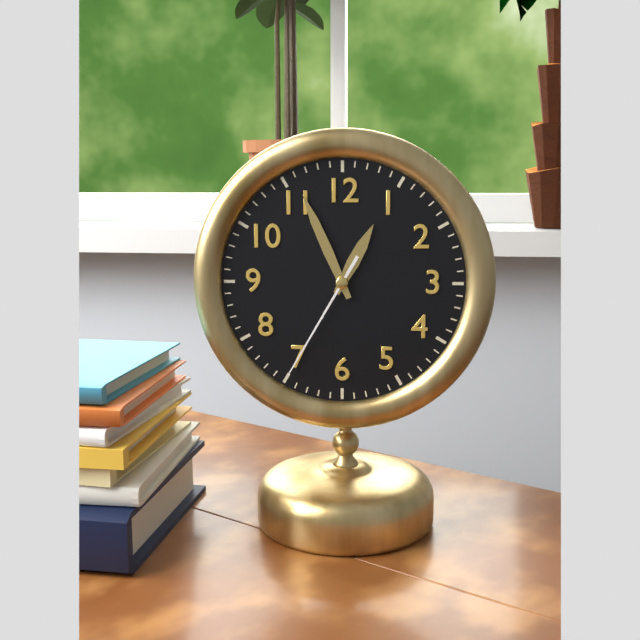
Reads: 12,56,35
